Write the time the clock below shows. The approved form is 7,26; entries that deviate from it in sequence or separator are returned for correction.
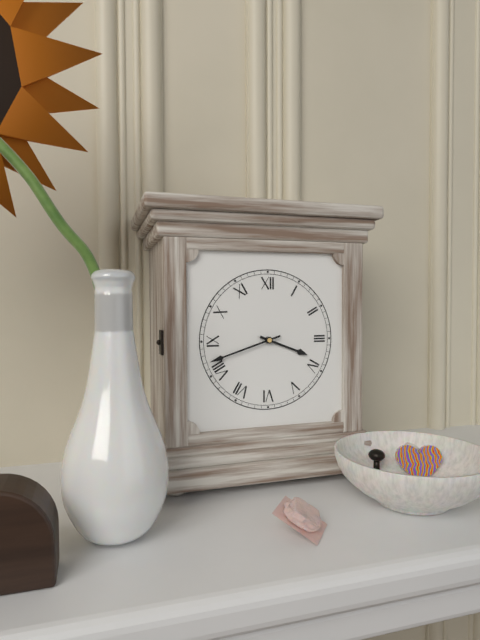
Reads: 3,42
